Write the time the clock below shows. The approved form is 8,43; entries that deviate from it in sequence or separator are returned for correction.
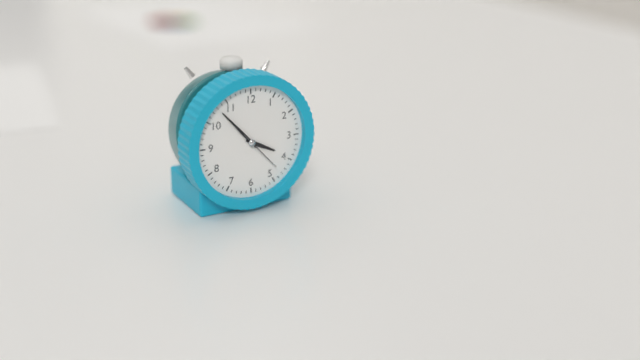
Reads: 3,53
